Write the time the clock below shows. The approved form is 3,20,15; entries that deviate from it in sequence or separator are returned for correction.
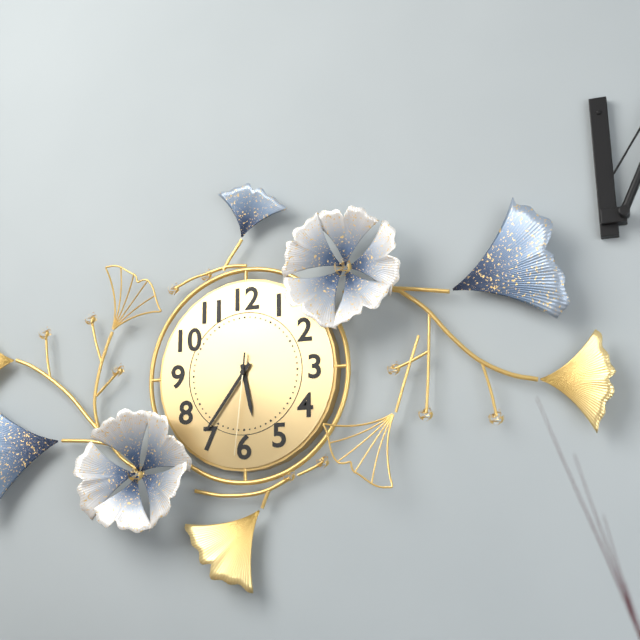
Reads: 5,36,31
